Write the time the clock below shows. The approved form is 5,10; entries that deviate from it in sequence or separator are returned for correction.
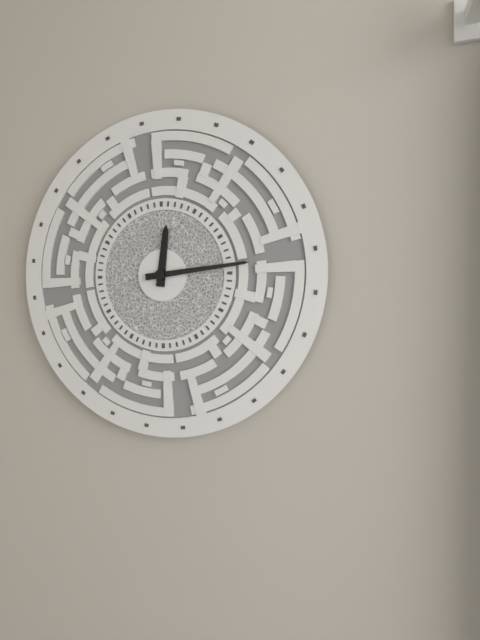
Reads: 12,14
